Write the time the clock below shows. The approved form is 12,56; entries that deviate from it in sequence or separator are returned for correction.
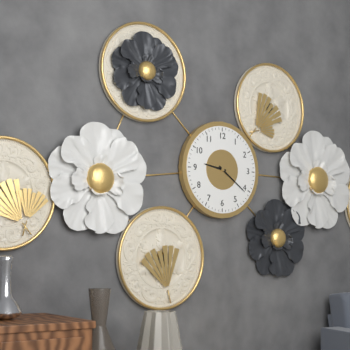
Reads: 9,21
